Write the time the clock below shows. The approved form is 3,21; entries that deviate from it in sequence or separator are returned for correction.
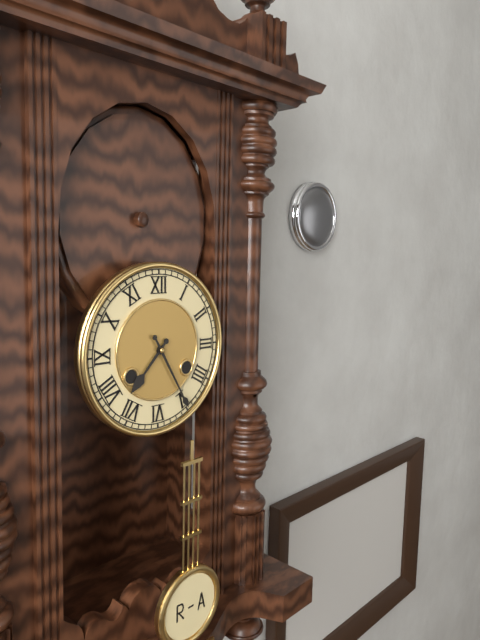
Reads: 7,25
